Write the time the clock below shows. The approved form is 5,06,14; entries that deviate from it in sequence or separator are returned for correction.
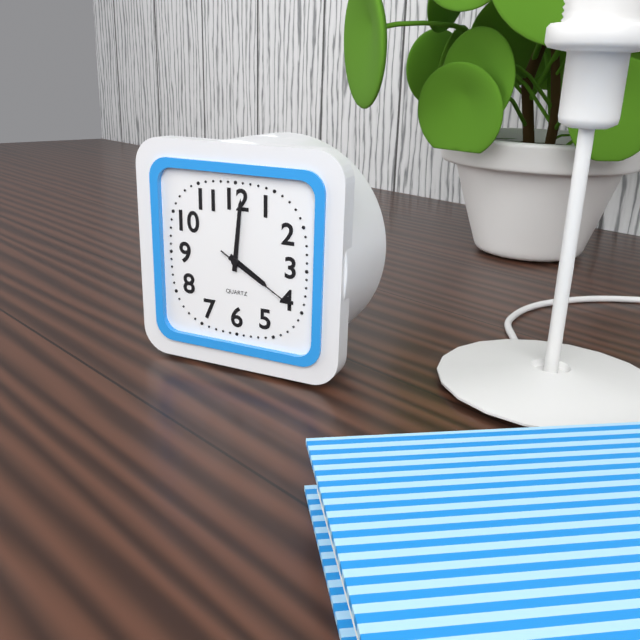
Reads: 4,01,20
